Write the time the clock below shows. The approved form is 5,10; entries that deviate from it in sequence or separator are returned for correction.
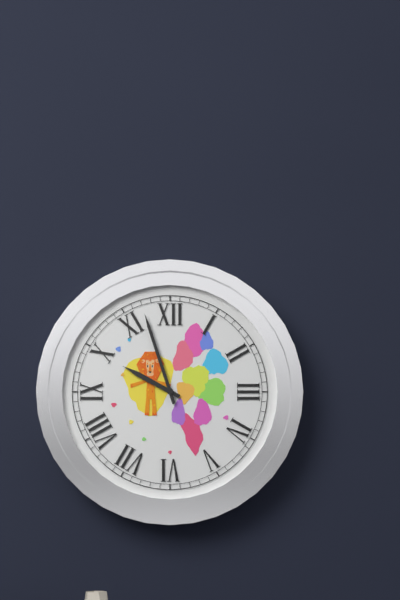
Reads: 9,57
